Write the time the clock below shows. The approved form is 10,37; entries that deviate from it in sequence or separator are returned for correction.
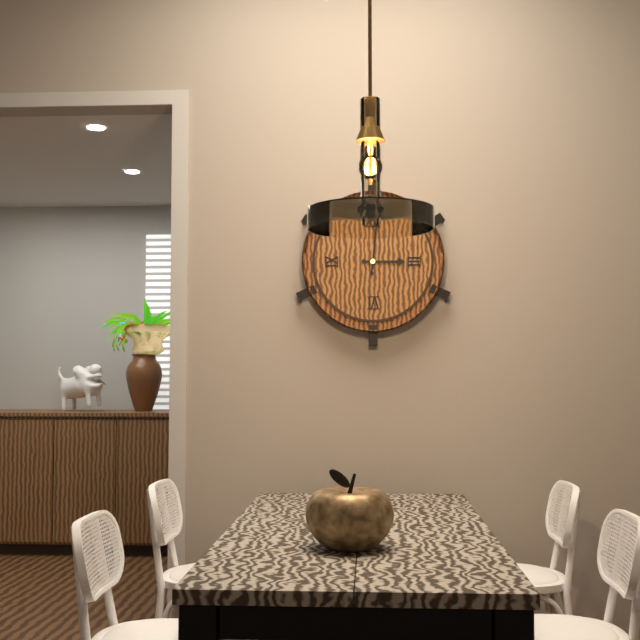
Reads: 3,01
